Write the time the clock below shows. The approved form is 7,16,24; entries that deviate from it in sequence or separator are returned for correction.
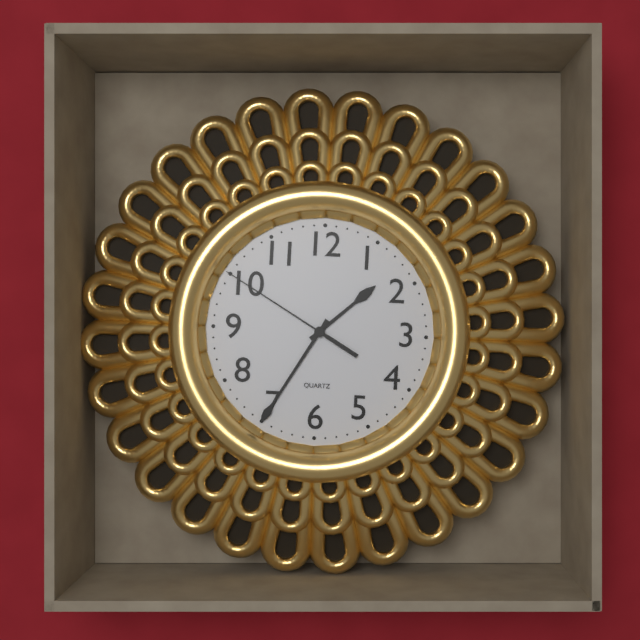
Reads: 1,35,50
